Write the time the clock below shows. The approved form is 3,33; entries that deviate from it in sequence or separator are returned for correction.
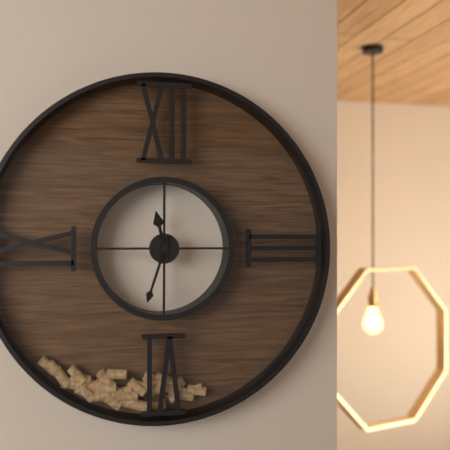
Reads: 11,33
